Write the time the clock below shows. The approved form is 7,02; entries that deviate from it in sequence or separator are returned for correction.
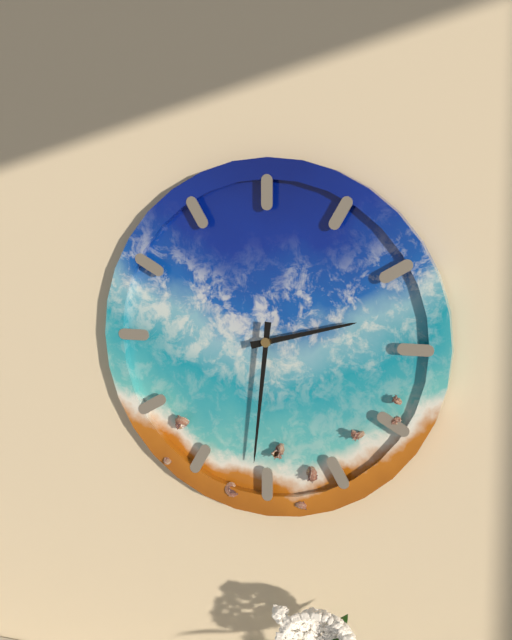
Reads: 2,31
